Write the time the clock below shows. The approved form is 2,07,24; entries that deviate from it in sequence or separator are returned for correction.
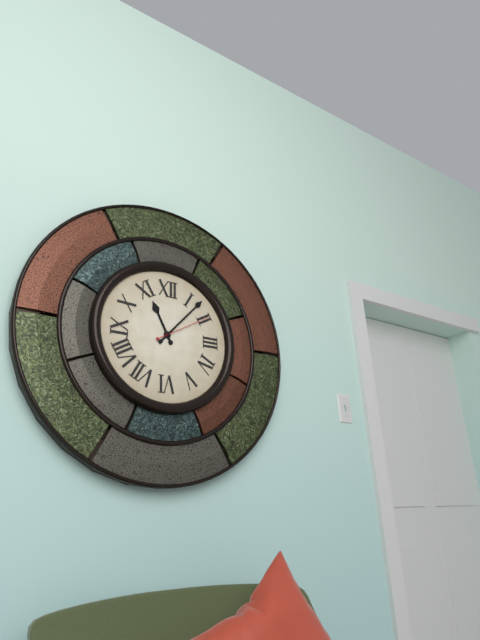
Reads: 11,07,10
